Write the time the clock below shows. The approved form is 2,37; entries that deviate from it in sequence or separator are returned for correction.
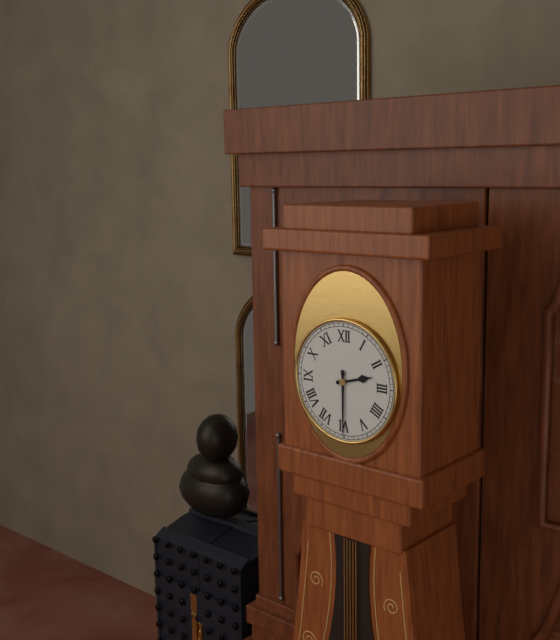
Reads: 2,30
